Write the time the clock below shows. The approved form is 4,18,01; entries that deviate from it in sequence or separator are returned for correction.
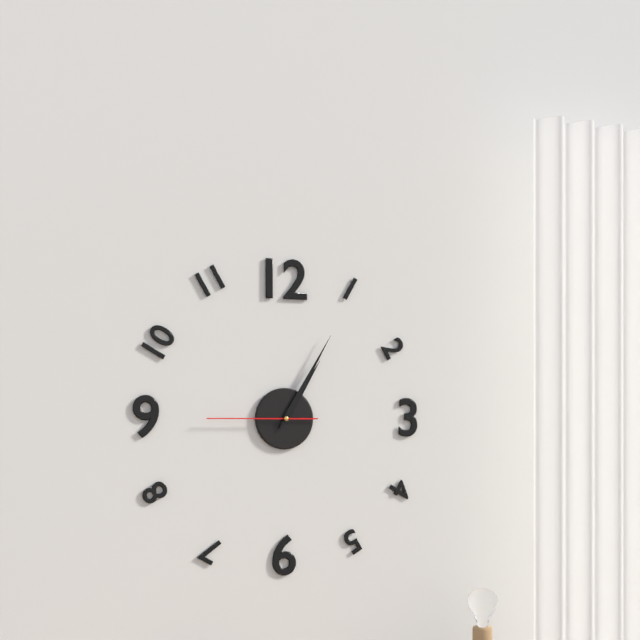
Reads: 1,05,45
